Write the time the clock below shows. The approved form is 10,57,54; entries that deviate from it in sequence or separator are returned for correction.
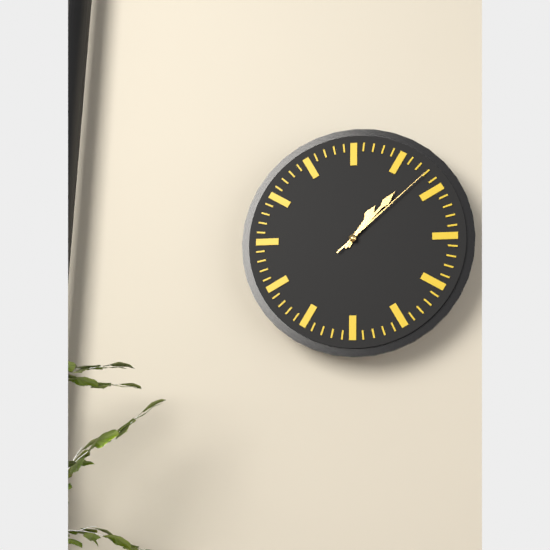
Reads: 1,07,08
